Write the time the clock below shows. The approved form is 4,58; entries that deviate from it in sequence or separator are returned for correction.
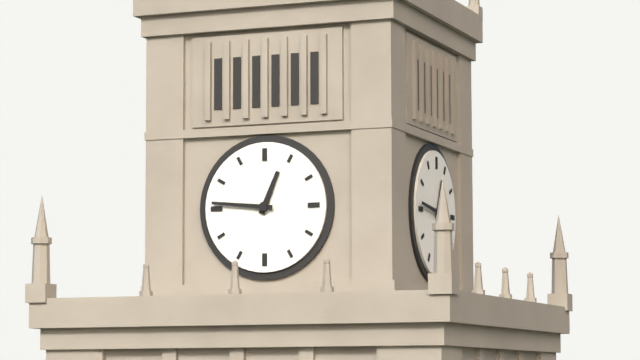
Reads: 12,46
